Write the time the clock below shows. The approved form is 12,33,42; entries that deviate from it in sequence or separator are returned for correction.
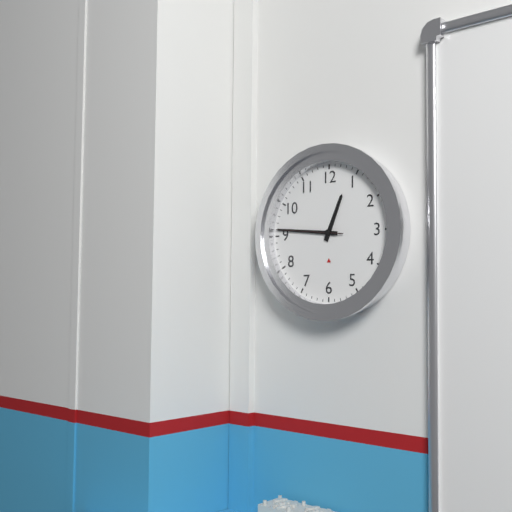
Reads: 12,46,46
